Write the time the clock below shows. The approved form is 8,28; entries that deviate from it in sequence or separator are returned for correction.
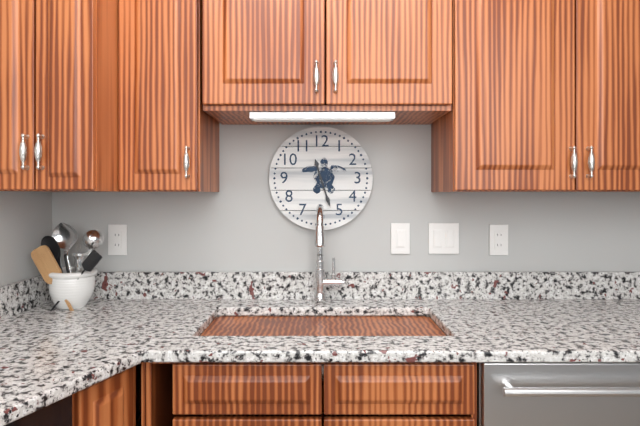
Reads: 11,27
